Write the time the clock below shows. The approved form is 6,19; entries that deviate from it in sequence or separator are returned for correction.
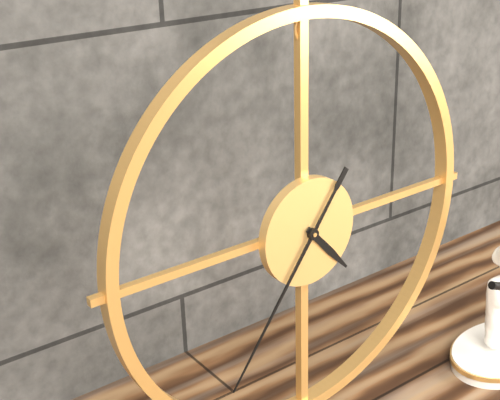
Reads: 4,36
